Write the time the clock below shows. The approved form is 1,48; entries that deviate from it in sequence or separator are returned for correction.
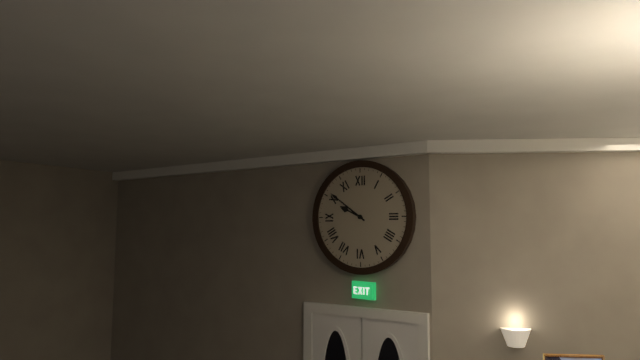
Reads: 9,51
